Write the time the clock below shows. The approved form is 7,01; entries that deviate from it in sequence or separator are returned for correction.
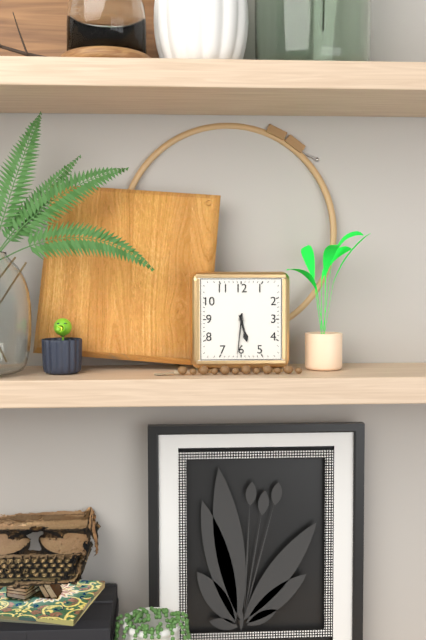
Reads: 5,31
